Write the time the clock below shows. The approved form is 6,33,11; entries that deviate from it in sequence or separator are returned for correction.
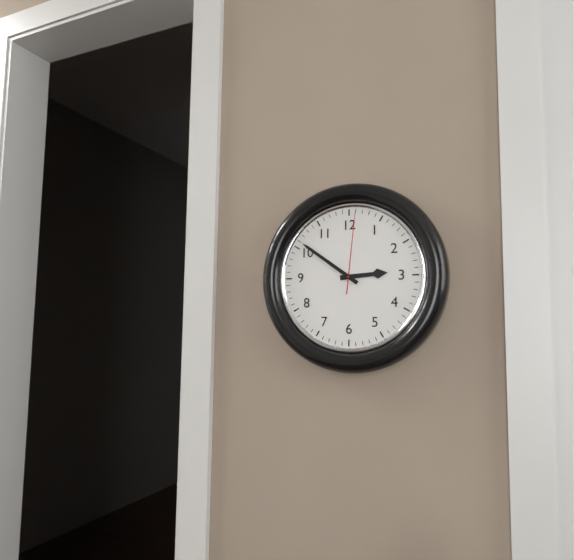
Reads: 2,51,01
